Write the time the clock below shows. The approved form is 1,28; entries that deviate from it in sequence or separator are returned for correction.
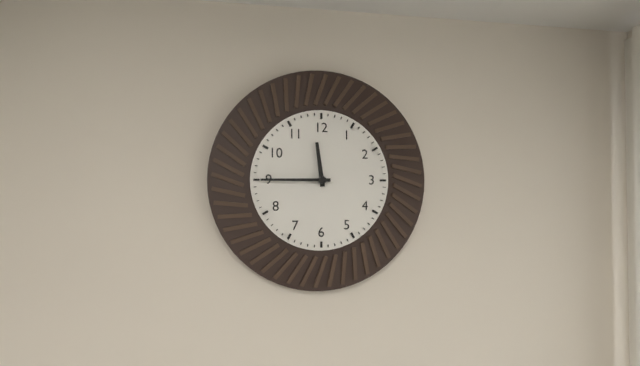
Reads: 11,45
